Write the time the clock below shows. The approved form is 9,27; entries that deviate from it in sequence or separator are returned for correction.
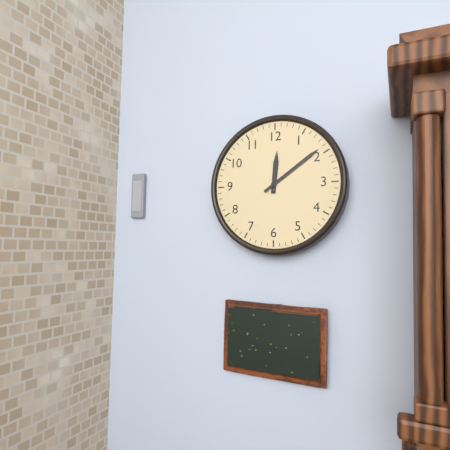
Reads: 12,09
